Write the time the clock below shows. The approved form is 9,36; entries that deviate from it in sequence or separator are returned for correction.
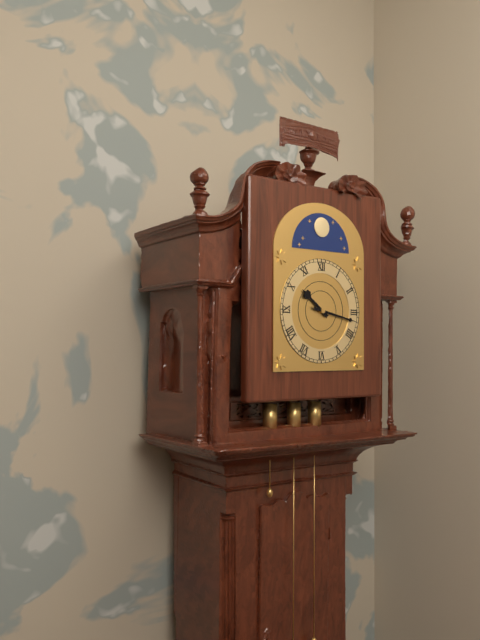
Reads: 10,17
